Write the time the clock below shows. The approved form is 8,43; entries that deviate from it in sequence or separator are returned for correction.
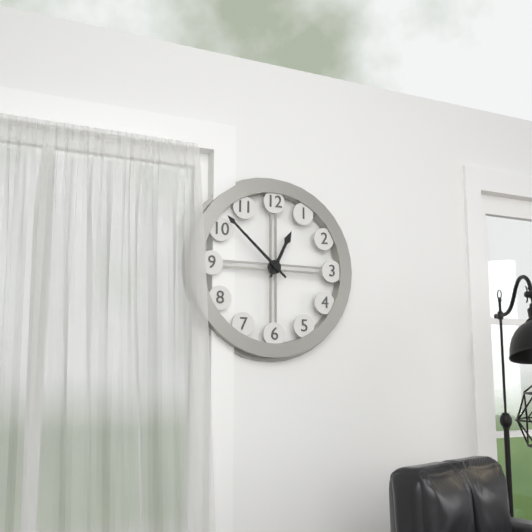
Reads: 12,52
